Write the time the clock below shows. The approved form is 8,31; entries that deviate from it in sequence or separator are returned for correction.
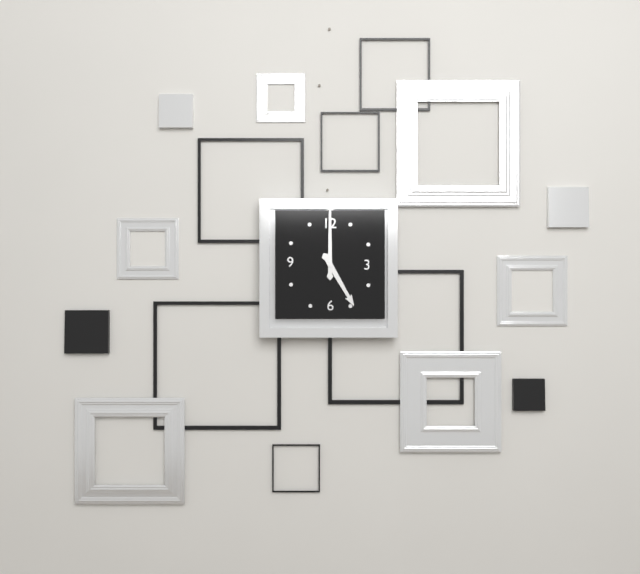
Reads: 5,00
